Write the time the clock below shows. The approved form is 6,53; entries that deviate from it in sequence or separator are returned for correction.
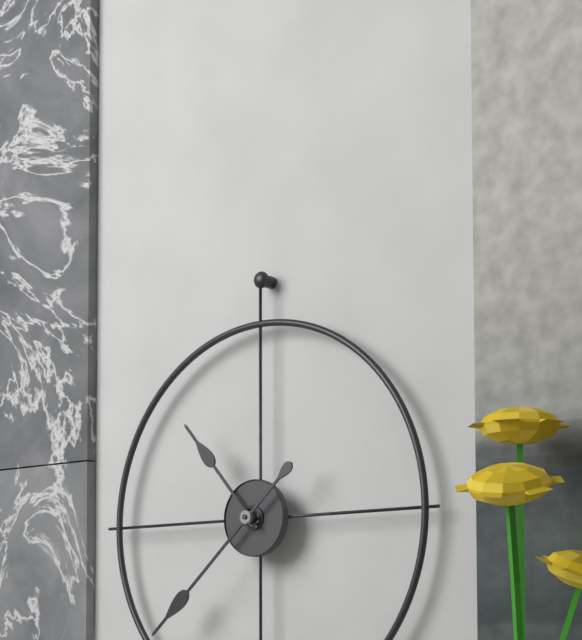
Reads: 10,38
